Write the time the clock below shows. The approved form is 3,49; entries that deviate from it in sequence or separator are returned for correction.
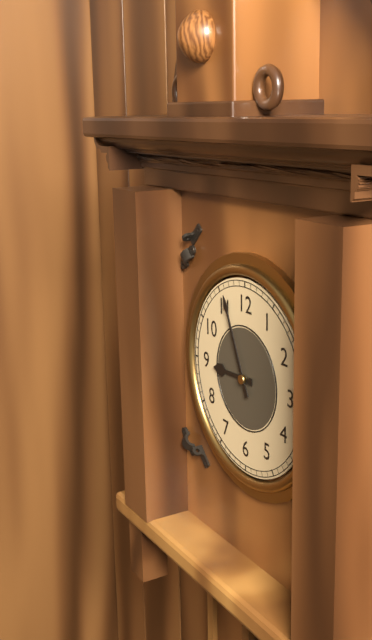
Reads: 8,56
